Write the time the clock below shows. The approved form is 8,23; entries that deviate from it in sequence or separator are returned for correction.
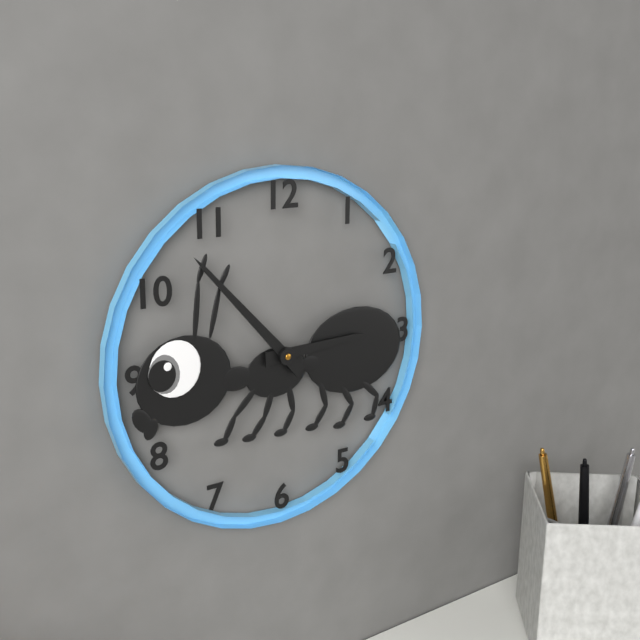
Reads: 2,53
